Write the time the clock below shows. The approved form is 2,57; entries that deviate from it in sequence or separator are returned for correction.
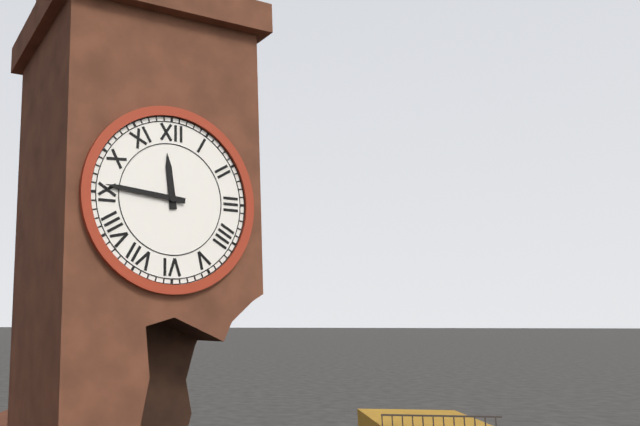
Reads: 11,46
